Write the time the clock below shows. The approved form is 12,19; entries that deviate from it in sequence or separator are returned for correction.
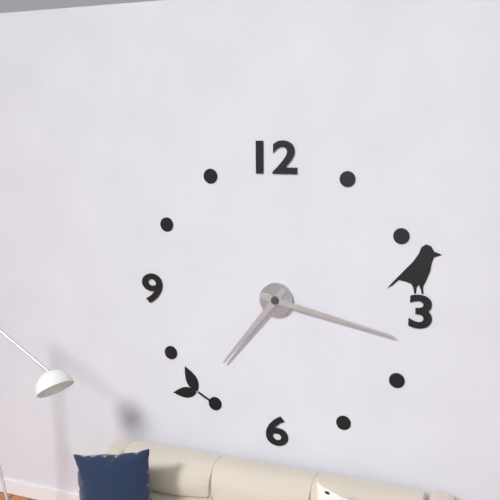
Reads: 7,17
